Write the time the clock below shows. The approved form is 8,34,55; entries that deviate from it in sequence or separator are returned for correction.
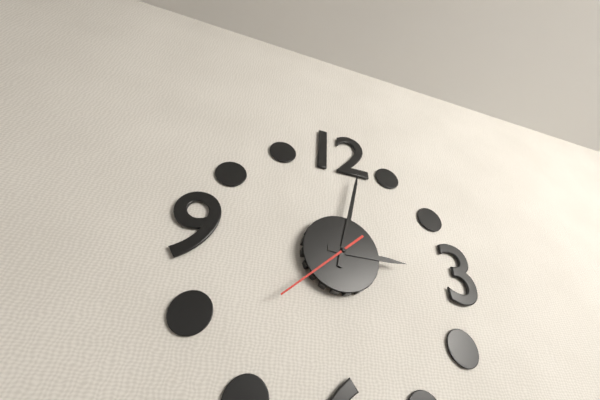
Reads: 3,02,38
